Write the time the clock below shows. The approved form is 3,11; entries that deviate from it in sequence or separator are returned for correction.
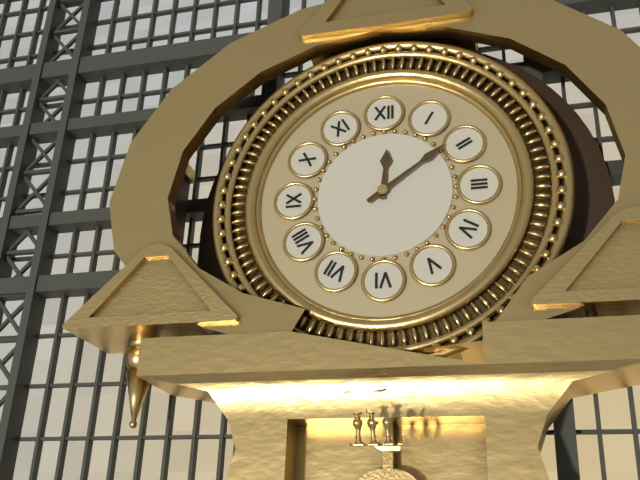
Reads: 12,09
